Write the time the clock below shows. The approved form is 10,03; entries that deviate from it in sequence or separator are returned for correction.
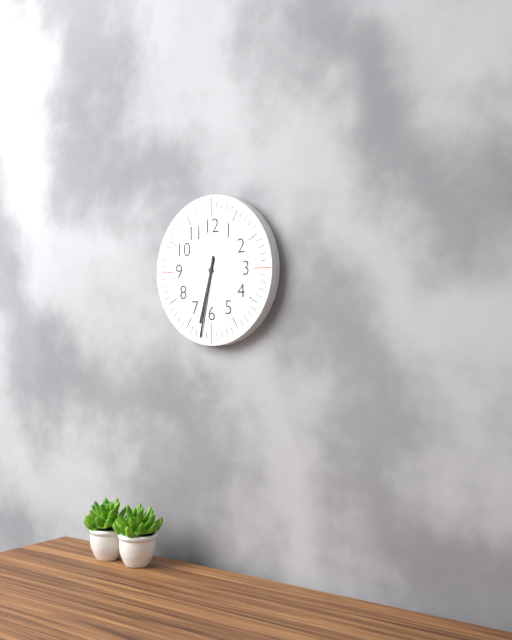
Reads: 6,32
